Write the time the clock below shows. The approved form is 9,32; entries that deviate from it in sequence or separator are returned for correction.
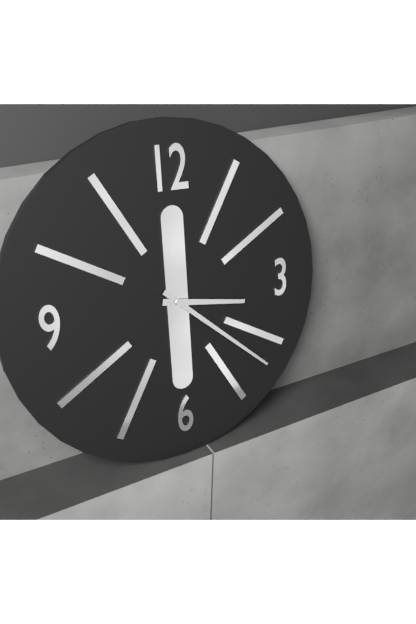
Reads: 3,22
